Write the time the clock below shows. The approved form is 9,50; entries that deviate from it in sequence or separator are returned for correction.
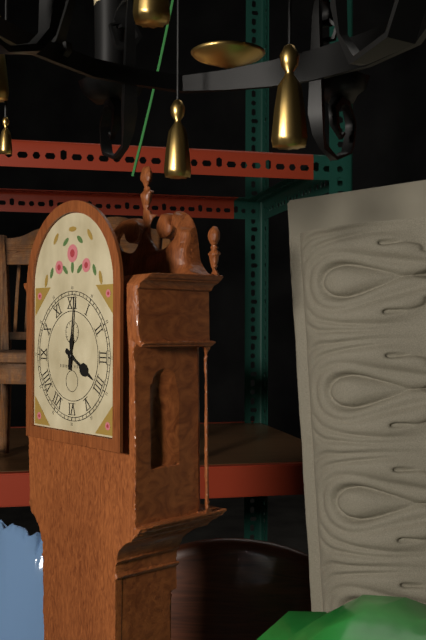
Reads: 4,01
